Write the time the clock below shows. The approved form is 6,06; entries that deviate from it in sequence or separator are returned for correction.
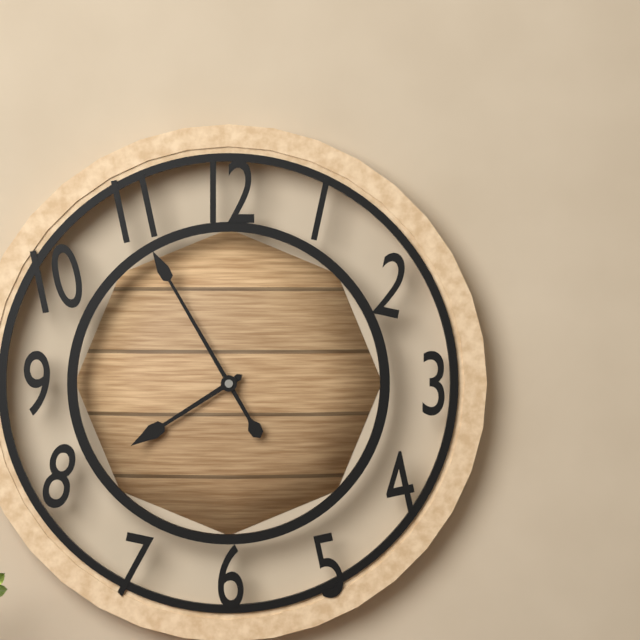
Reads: 7,55
